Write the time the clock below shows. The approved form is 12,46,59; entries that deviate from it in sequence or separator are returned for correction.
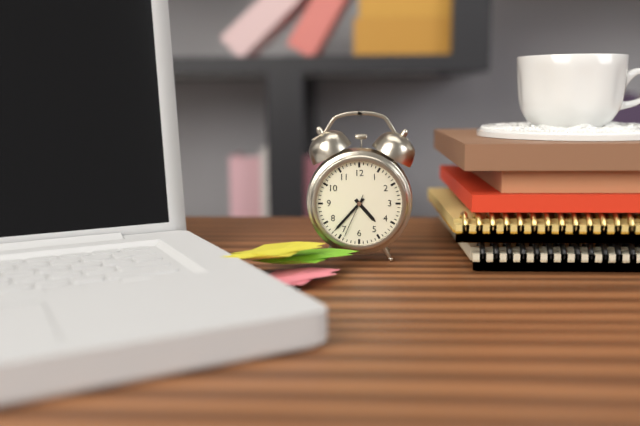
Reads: 4,37,34
